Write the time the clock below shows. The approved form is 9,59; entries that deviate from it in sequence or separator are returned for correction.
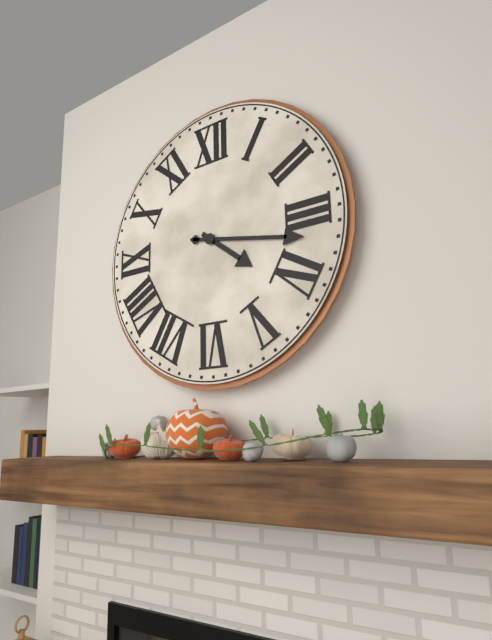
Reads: 4,17
